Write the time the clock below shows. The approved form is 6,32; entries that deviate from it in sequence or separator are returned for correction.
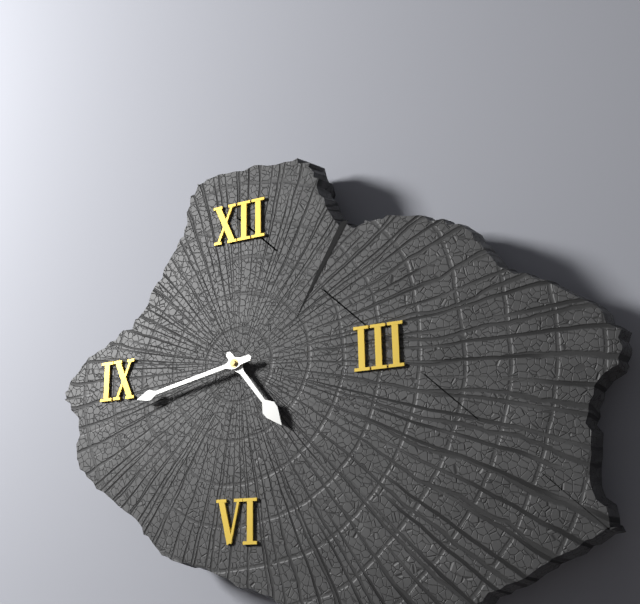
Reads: 4,43
